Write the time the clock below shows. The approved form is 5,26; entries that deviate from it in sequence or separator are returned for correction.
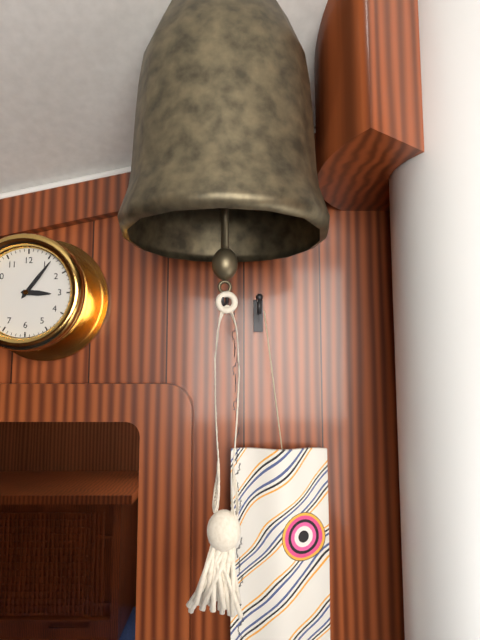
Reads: 3,06
